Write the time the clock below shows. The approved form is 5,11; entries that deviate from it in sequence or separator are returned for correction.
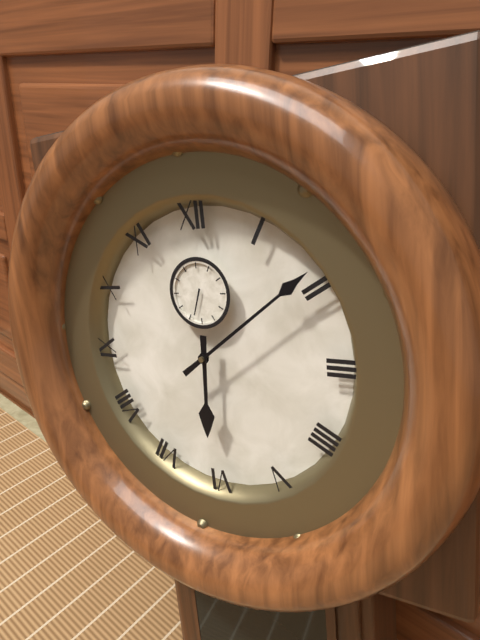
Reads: 6,09
